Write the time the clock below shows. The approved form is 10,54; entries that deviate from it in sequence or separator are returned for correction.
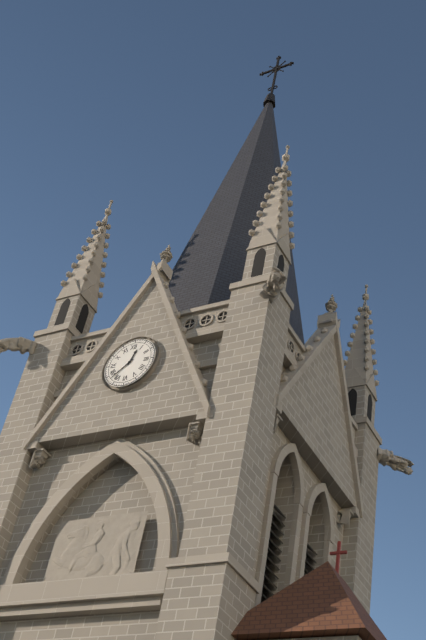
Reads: 12,38
